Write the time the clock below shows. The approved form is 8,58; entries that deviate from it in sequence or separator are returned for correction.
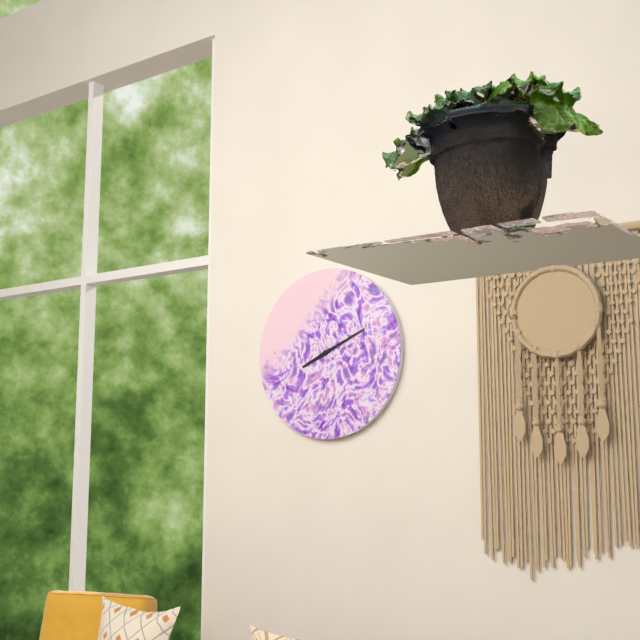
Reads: 8,11
